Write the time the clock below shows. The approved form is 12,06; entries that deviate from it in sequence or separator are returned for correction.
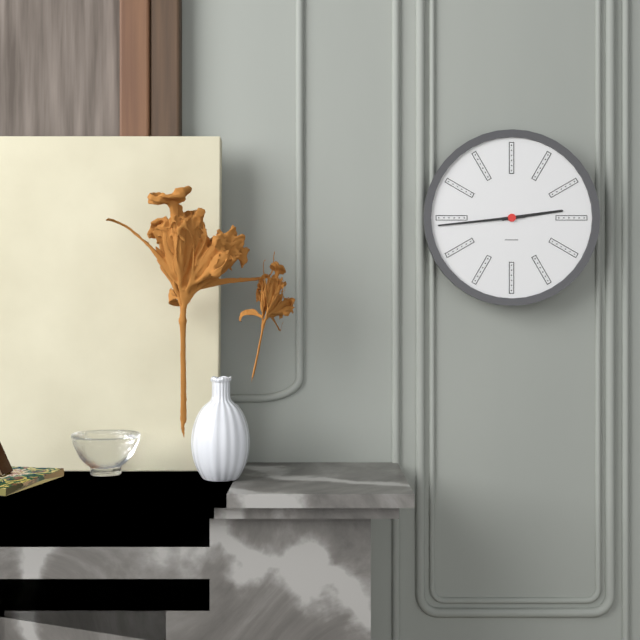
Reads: 2,44
